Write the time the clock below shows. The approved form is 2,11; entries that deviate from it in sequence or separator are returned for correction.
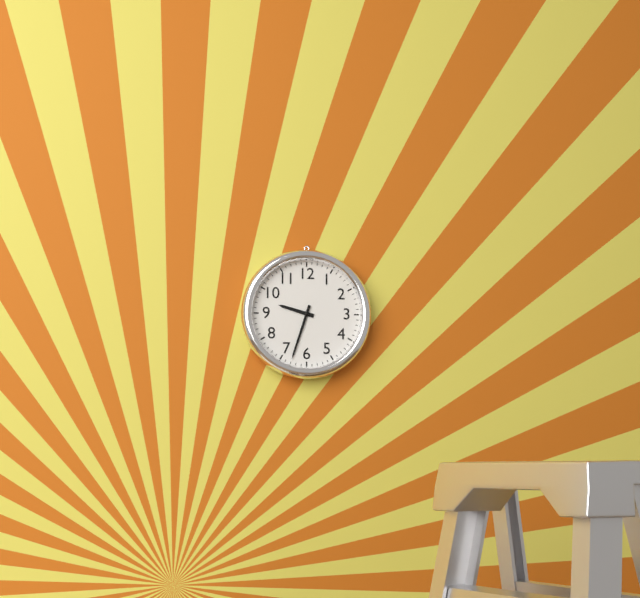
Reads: 9,33
